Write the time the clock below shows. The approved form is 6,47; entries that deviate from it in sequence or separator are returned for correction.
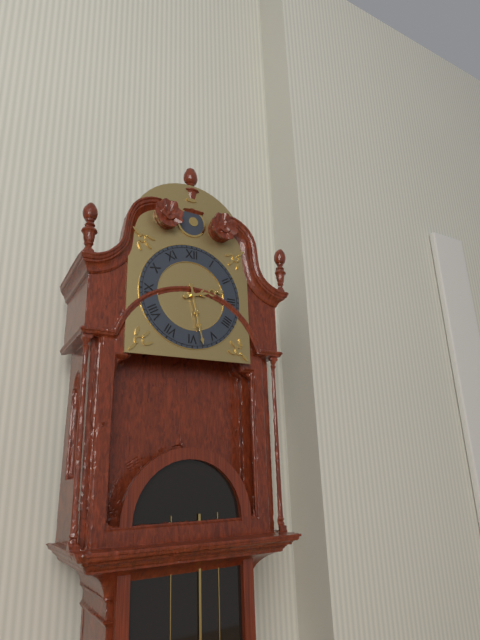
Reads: 2,28
